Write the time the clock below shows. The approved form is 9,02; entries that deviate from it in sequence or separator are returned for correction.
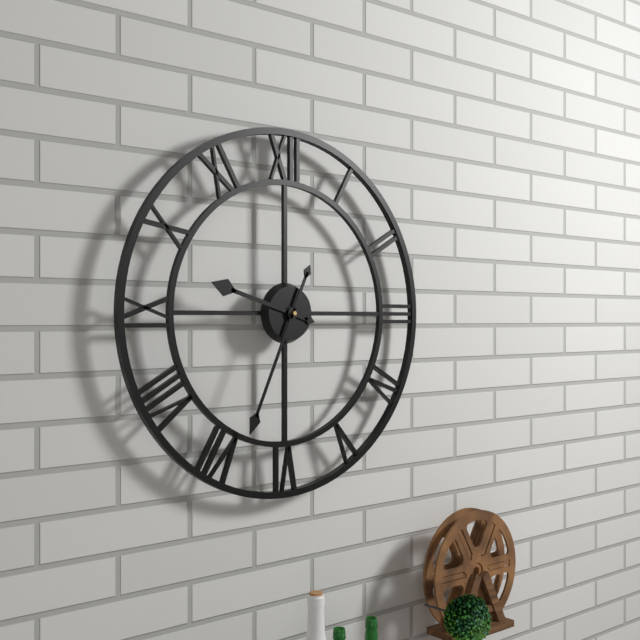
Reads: 9,34
